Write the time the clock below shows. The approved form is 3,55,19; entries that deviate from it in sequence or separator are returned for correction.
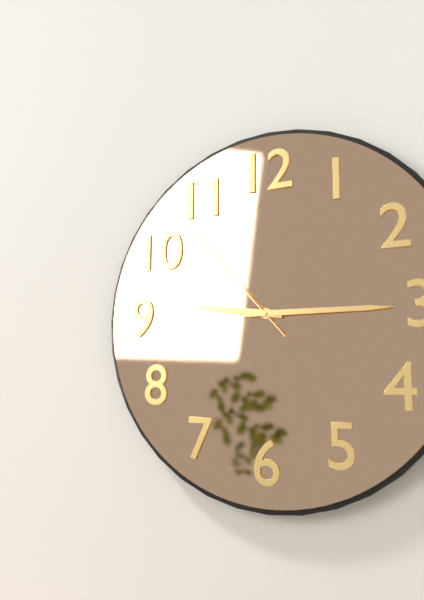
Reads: 9,15,53
